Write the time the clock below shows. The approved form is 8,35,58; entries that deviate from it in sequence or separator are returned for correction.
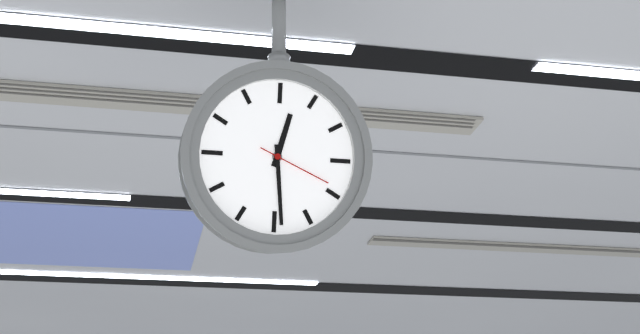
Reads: 12,29,19
